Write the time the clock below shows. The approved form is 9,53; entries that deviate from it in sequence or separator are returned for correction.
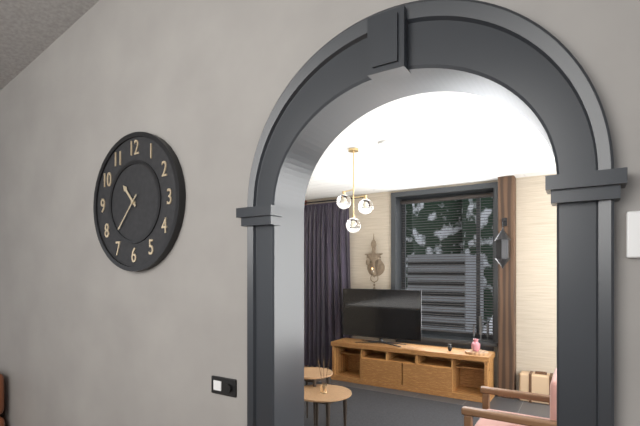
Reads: 10,37
